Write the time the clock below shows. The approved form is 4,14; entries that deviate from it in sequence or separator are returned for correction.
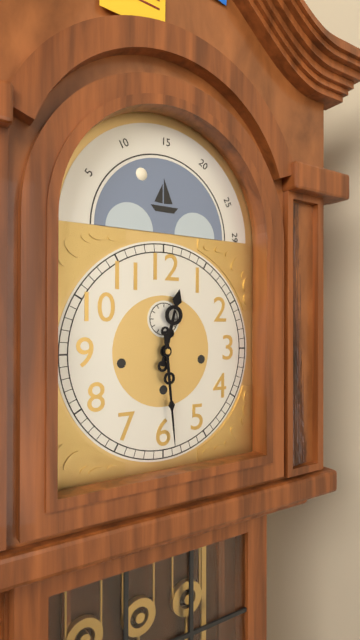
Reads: 12,29
